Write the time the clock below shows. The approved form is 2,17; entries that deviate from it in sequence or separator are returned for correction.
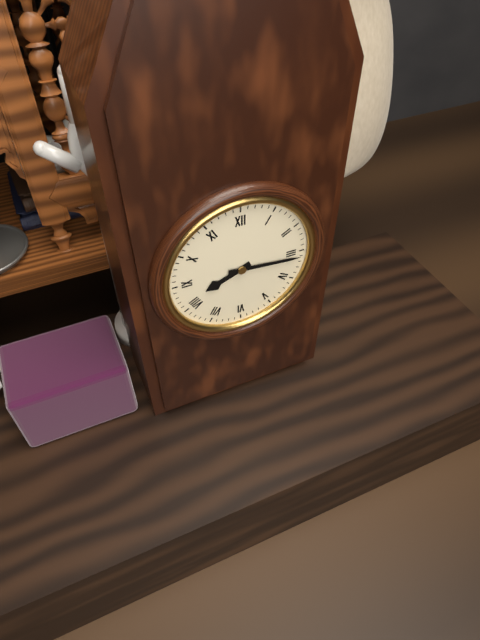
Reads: 8,16
